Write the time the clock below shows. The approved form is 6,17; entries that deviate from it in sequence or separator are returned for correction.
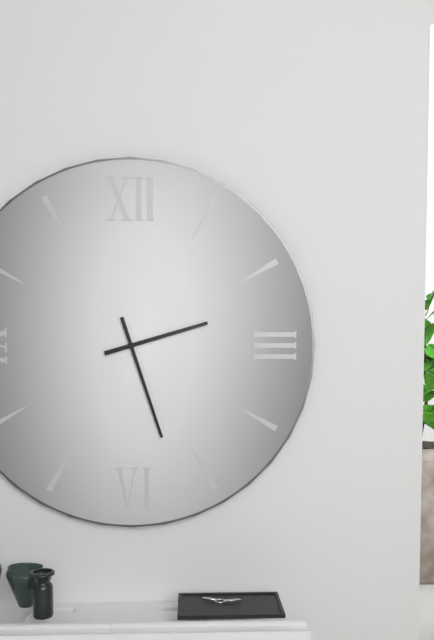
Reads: 2,27
